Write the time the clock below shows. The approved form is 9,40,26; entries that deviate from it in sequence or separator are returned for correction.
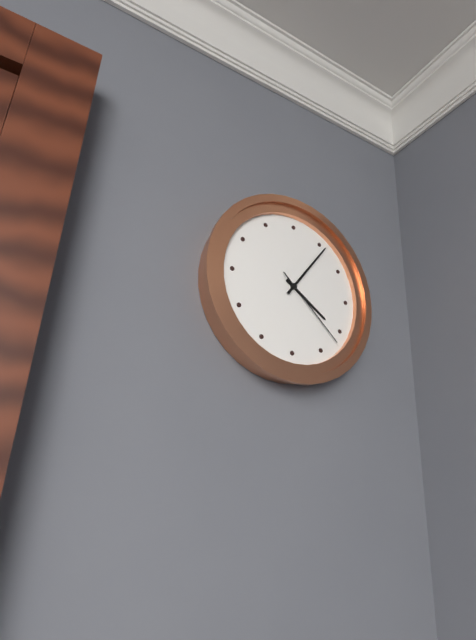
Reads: 4,06,22
